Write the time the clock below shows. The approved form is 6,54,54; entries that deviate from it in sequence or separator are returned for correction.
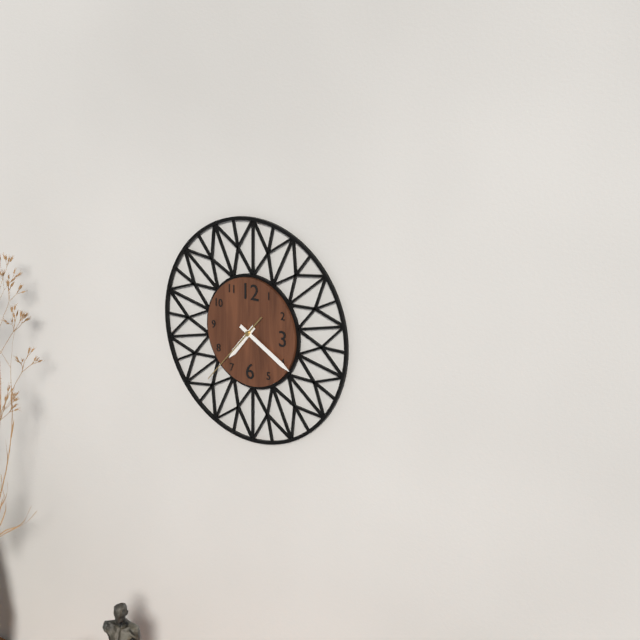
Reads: 7,20,37
